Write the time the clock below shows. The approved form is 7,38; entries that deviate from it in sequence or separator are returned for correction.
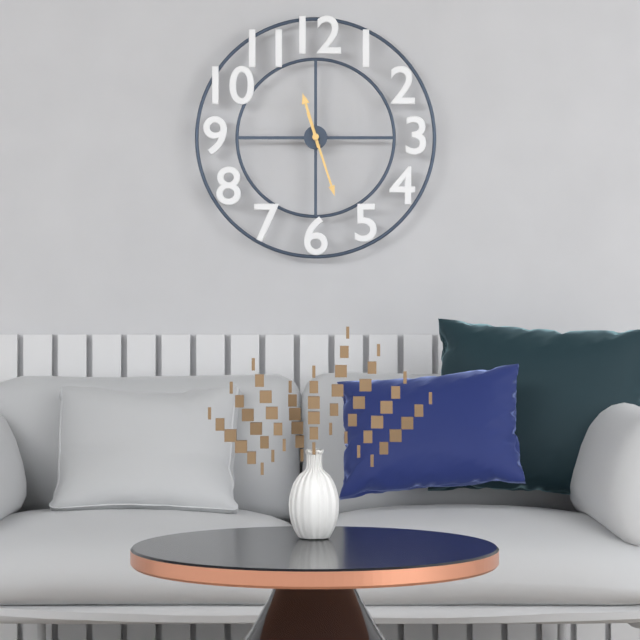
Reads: 11,27
